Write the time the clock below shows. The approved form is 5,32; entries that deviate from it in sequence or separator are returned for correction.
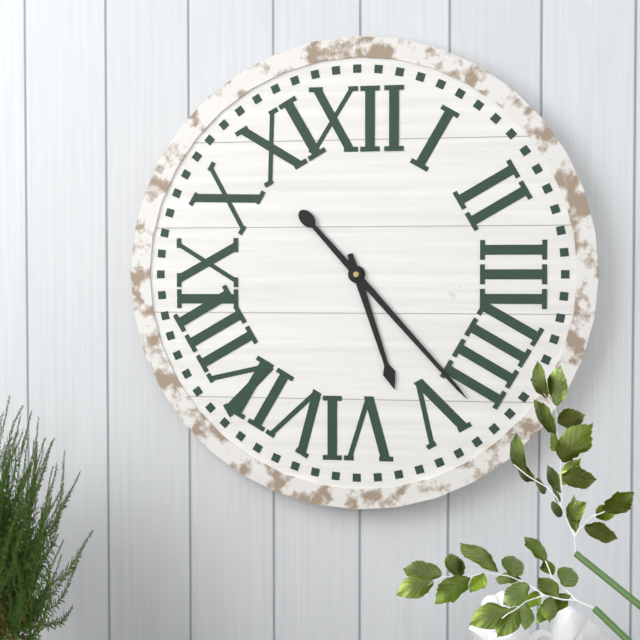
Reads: 5,23
